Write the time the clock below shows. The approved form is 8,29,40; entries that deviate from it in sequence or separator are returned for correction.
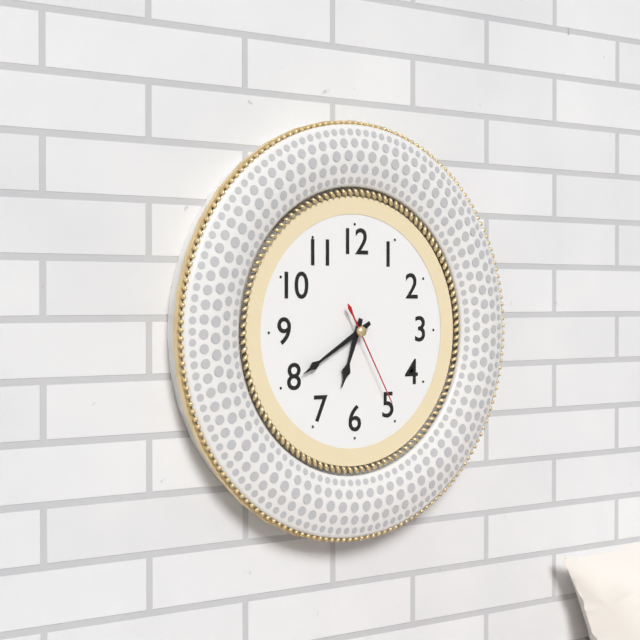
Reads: 6,40,25
